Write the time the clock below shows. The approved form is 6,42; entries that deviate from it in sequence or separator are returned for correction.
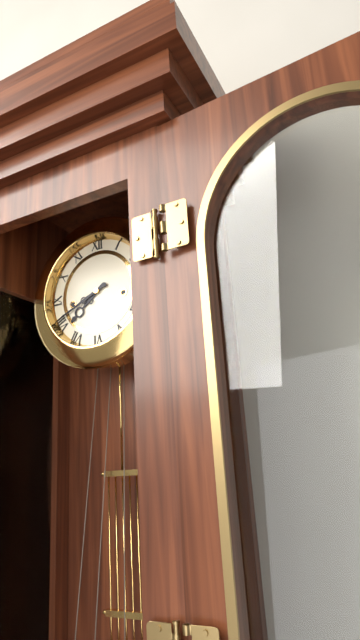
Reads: 7,41
